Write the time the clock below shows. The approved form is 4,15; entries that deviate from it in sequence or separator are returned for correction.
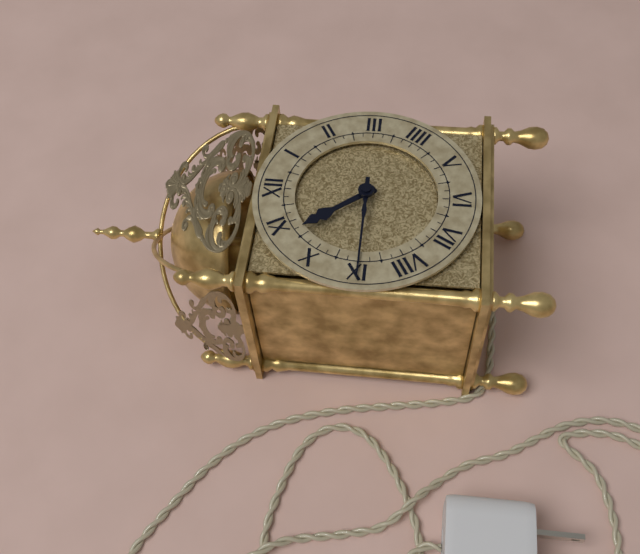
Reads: 10,45
